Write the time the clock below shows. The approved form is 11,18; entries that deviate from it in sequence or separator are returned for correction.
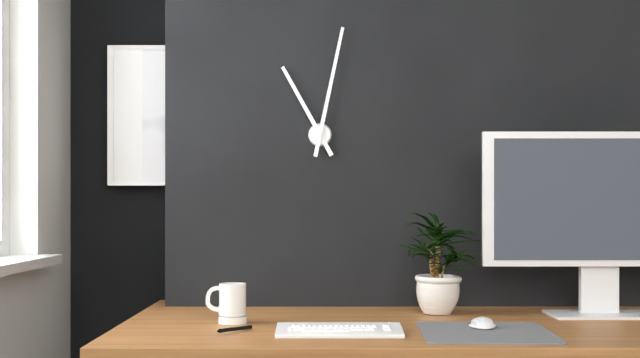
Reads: 11,02
